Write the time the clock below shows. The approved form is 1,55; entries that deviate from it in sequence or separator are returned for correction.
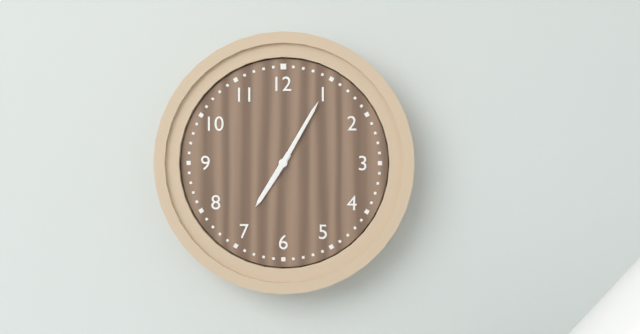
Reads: 7,05
